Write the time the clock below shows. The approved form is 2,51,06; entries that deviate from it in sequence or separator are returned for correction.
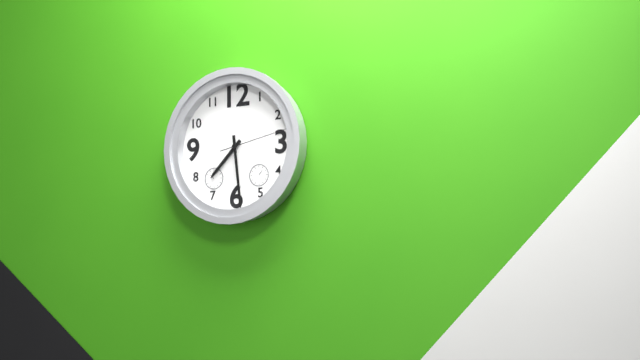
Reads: 7,29,13
